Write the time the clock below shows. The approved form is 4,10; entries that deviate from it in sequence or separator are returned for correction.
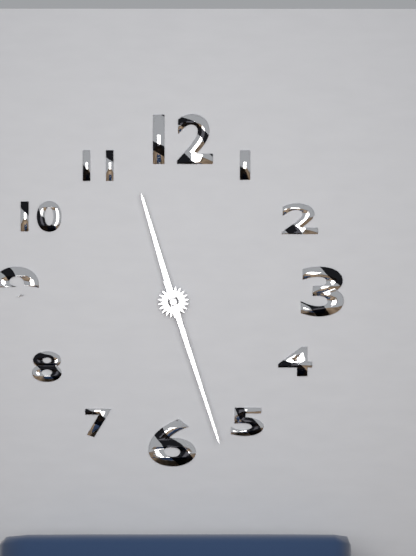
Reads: 11,27
